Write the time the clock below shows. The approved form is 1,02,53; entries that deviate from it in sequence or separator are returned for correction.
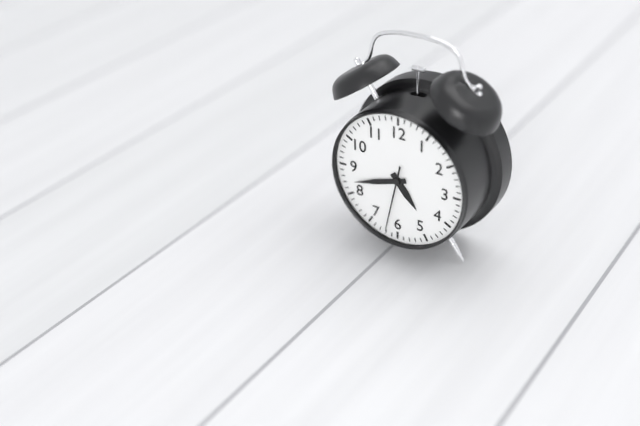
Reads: 4,42,32
